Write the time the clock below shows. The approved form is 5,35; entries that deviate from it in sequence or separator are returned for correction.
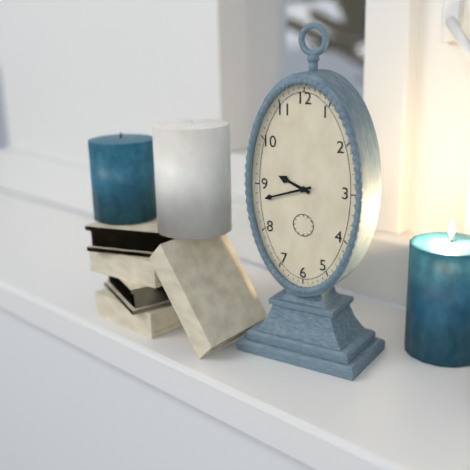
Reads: 9,42
